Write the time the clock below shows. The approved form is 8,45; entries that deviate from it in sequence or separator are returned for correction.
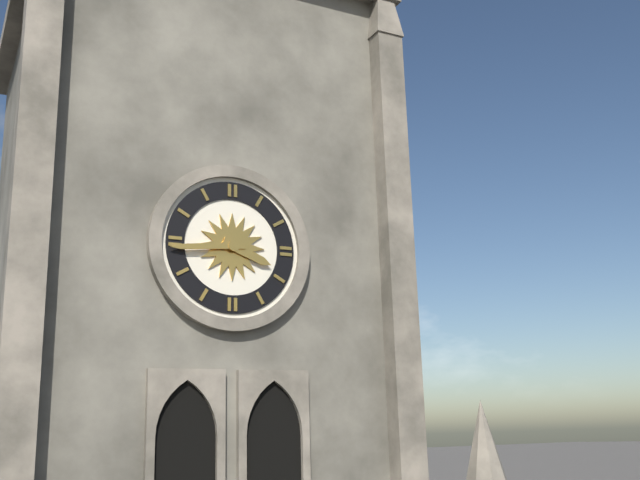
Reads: 3,44
